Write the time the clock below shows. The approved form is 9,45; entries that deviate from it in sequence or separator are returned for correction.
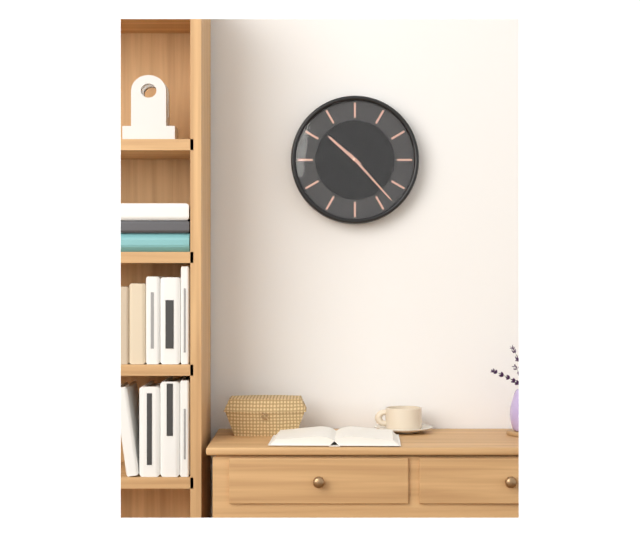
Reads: 10,23
